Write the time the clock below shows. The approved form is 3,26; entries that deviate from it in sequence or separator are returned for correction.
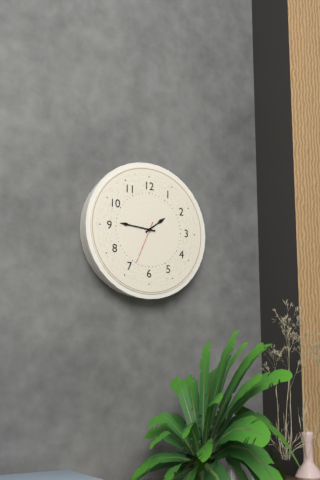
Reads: 1,46
